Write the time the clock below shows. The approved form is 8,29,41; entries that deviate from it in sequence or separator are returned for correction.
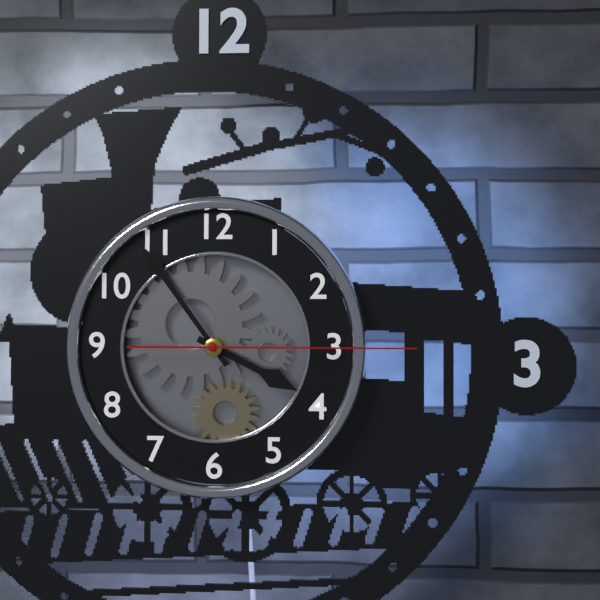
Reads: 3,54,15
